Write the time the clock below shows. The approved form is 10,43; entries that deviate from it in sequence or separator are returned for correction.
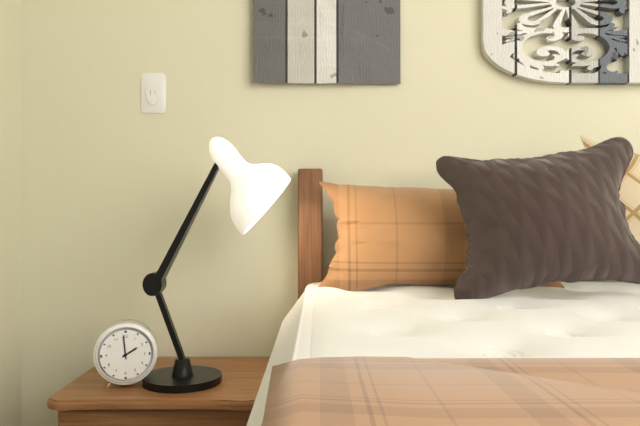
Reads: 1,59
